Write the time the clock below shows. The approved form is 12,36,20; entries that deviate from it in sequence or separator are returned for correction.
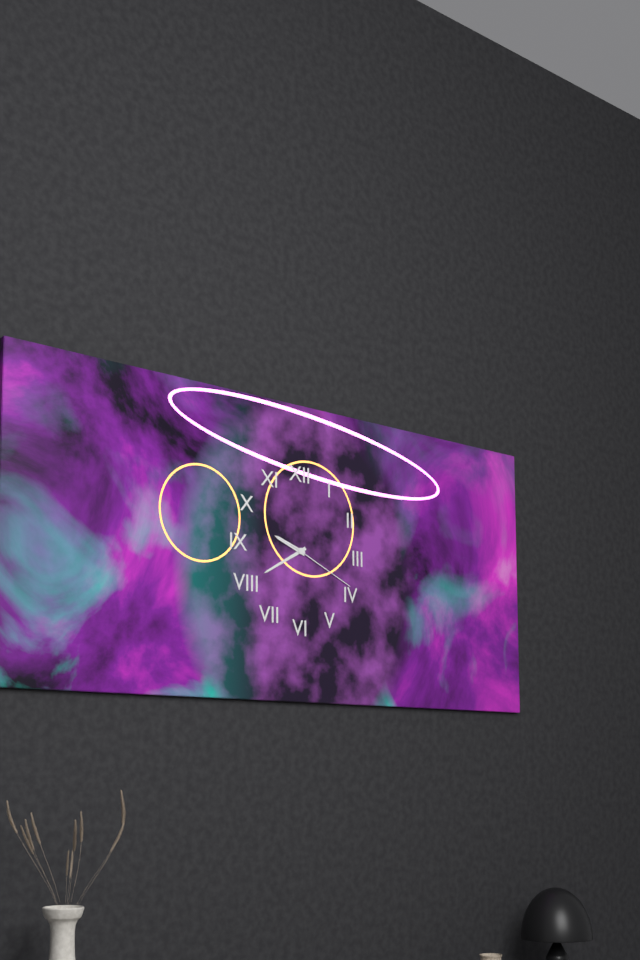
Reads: 9,40,19
